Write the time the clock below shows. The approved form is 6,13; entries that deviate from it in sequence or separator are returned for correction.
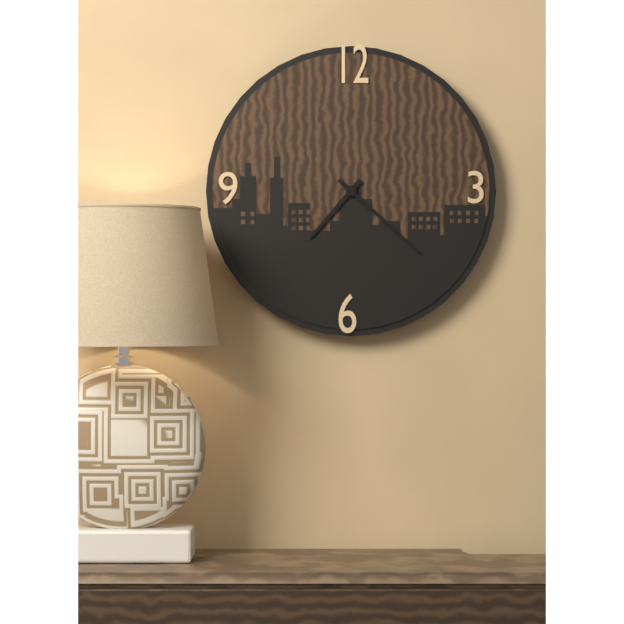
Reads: 7,22
